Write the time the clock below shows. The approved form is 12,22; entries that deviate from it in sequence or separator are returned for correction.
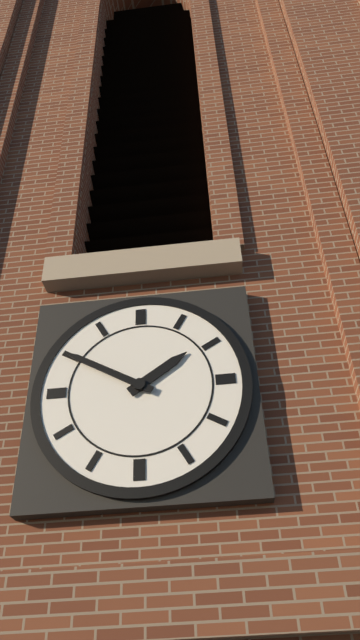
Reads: 1,50
